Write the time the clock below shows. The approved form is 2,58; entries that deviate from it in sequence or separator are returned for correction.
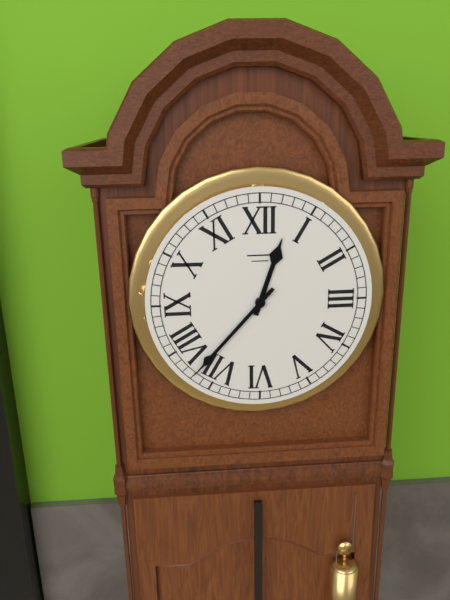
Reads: 12,37
